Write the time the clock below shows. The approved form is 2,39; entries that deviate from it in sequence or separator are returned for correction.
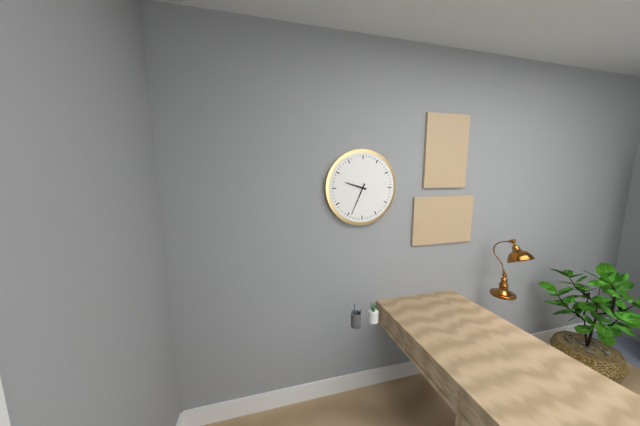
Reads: 9,34
